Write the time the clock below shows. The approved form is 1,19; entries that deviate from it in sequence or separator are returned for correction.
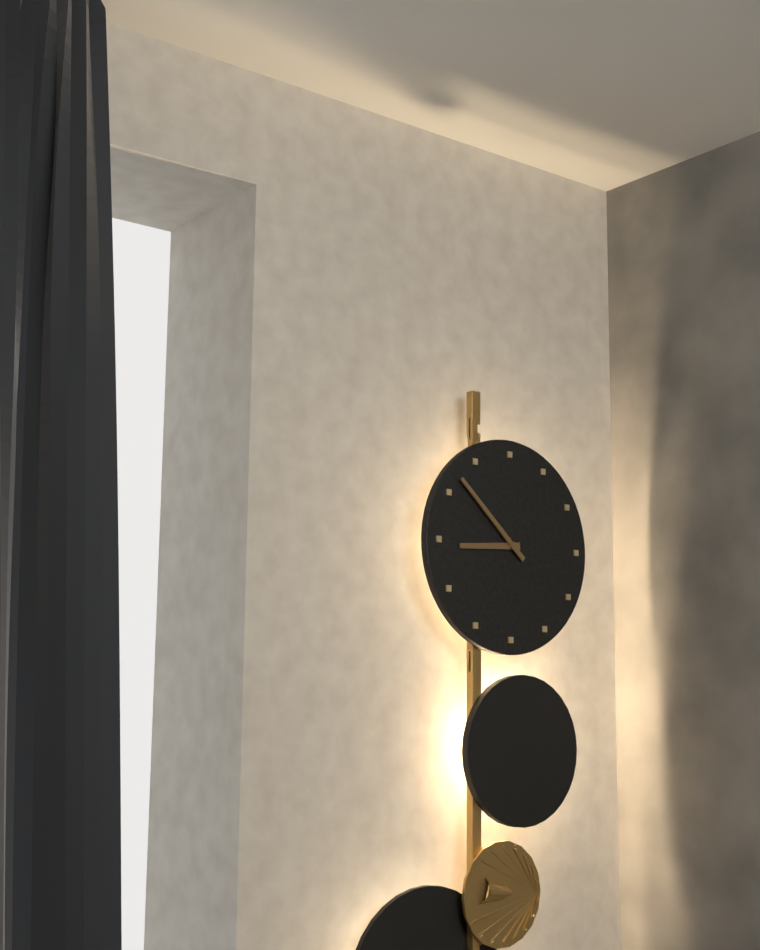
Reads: 8,52
